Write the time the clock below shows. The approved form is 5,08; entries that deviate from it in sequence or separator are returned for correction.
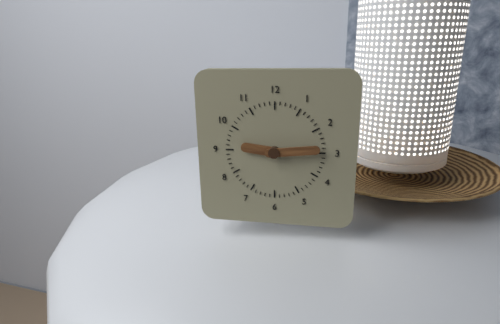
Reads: 9,14
